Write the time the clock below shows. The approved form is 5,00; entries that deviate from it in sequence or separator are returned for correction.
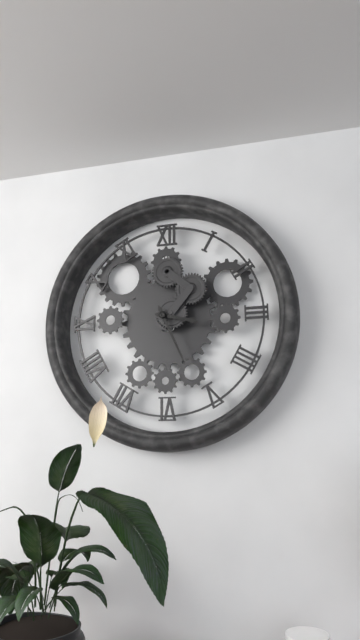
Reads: 3,26
